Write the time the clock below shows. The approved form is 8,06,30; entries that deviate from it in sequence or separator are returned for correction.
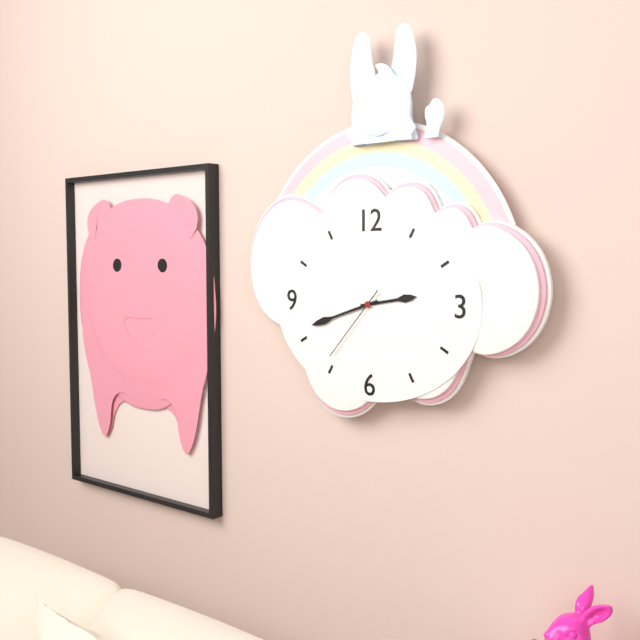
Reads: 2,42,37
